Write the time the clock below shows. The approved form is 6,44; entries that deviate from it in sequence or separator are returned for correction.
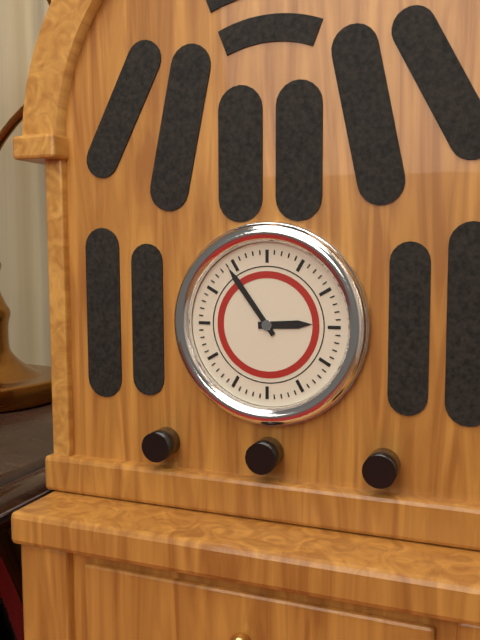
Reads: 2,54
